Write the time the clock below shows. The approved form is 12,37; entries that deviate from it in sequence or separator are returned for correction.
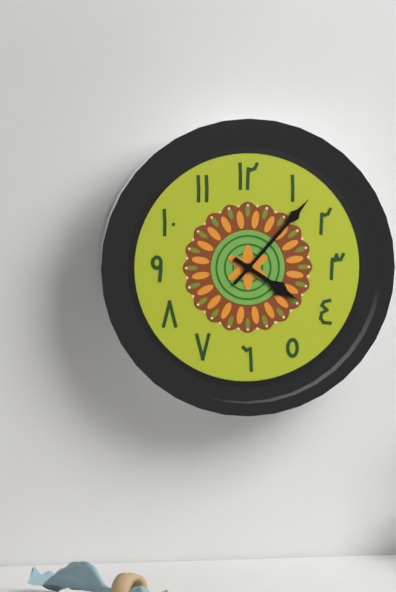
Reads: 4,07
